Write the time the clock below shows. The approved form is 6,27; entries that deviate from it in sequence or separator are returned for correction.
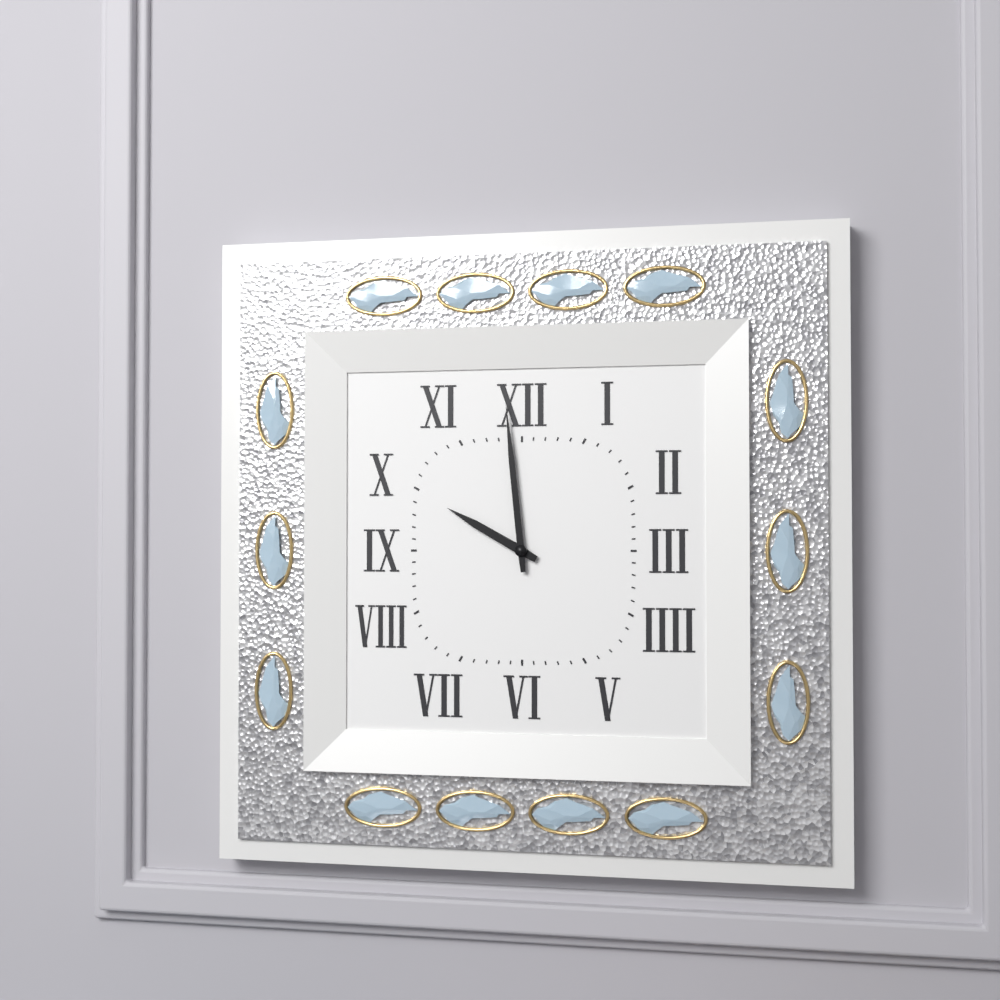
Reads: 9,59
